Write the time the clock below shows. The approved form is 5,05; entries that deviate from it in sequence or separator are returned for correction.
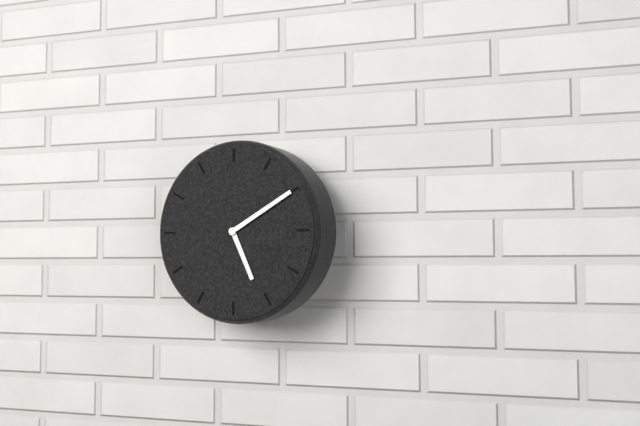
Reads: 5,10
